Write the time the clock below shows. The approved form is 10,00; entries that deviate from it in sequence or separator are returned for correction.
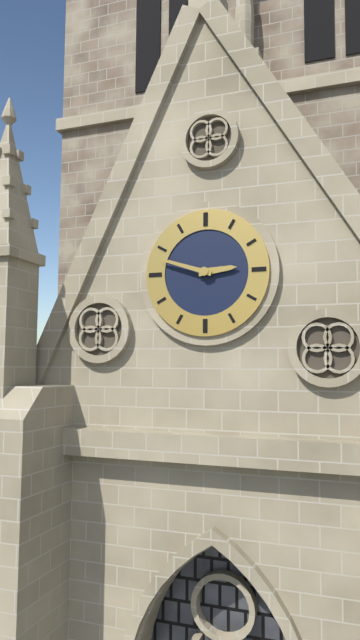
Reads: 2,48
